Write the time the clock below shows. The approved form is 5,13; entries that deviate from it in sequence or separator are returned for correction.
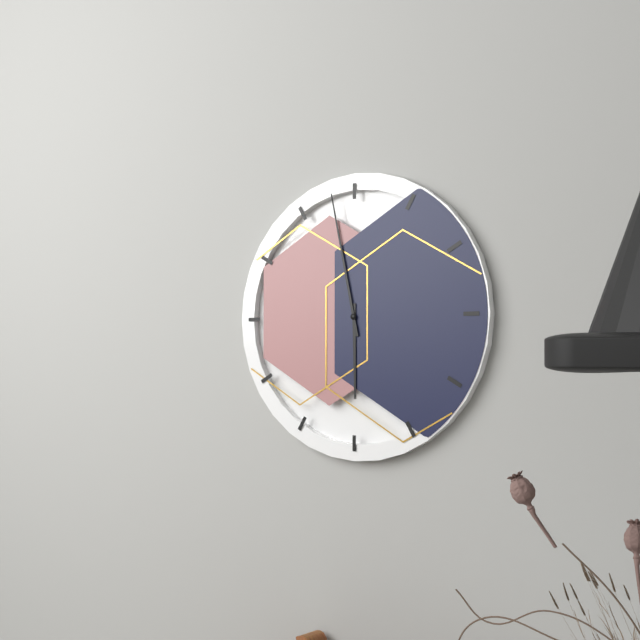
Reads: 5,58
